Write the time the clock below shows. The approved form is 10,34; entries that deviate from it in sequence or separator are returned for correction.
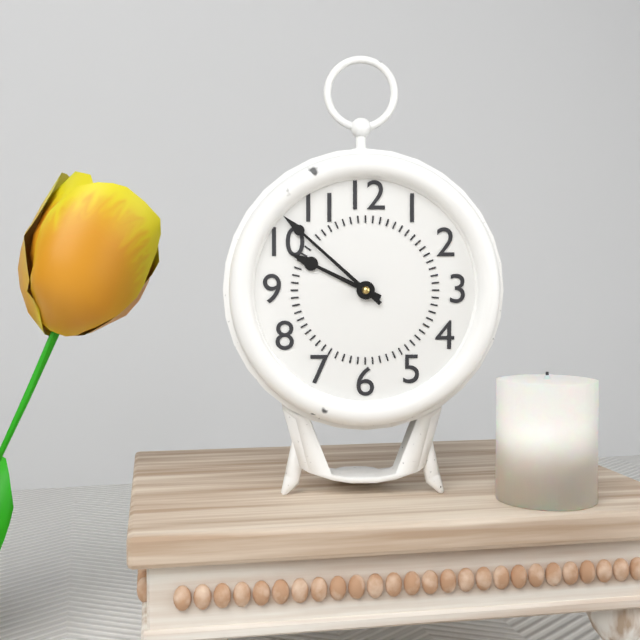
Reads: 9,52
